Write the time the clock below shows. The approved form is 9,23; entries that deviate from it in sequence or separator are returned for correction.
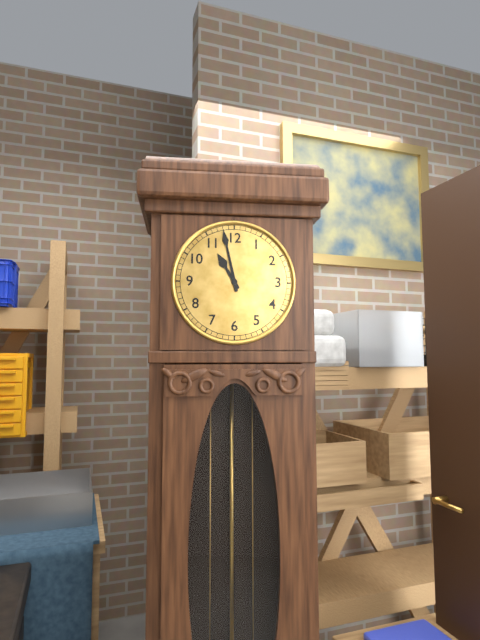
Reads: 10,58
